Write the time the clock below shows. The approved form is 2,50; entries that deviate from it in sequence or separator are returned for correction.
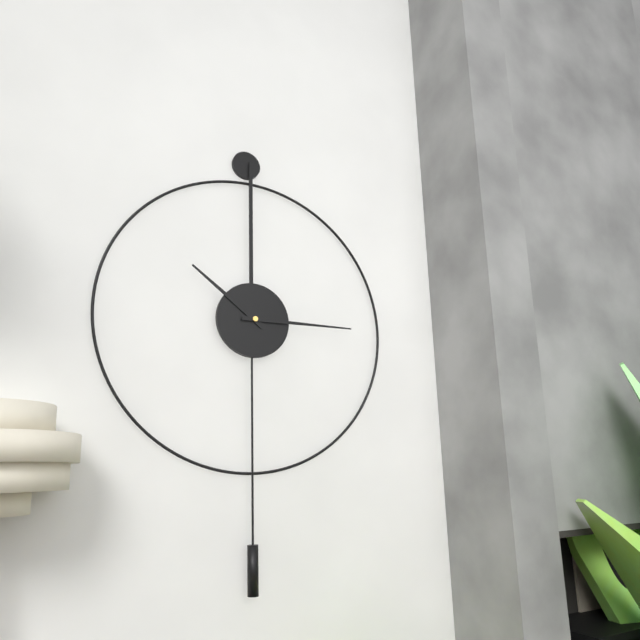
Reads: 10,15
